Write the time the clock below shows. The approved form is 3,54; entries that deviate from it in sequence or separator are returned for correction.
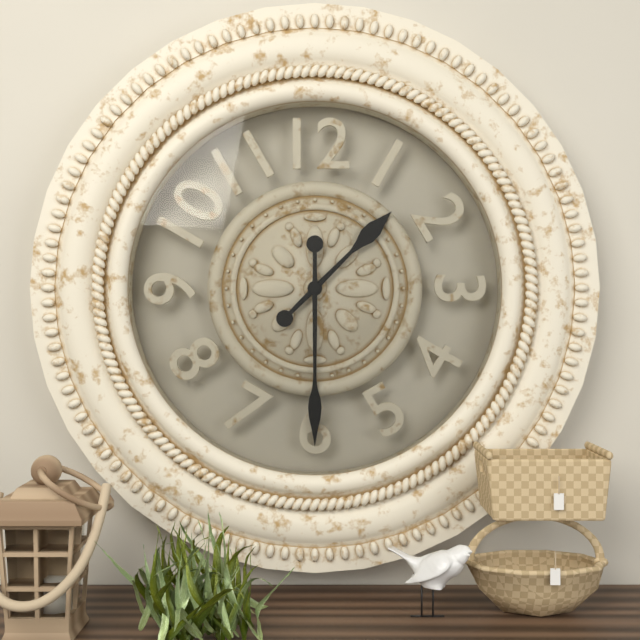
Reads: 1,30
